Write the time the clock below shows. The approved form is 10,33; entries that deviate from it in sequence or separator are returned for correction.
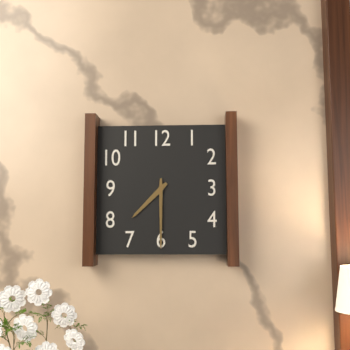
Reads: 7,30
